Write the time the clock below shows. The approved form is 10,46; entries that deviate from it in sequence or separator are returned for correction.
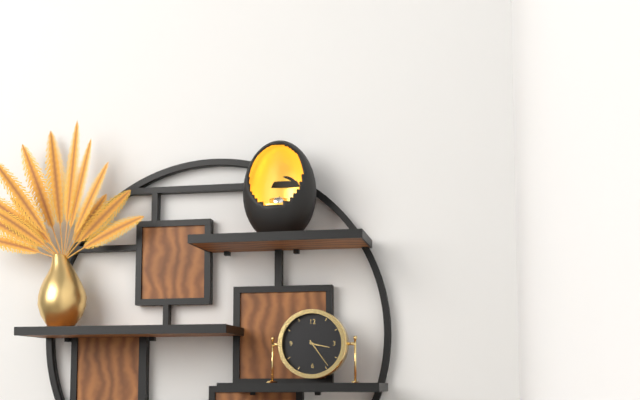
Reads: 3,24
